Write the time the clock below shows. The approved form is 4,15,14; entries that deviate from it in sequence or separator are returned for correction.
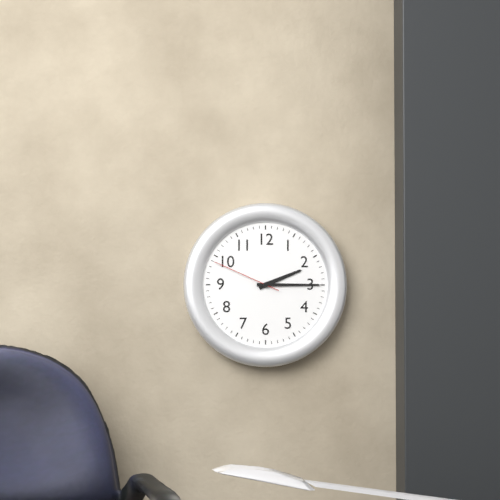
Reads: 2,15,49
